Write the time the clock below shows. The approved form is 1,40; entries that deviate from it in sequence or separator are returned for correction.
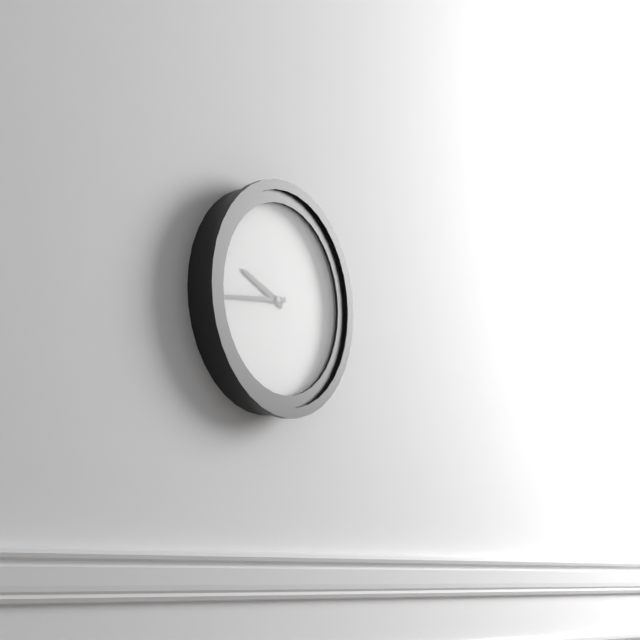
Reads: 9,44
